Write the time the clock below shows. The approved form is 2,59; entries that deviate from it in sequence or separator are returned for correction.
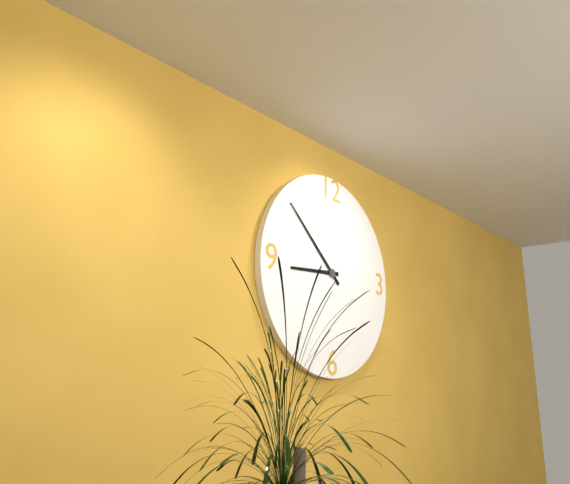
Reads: 8,52
